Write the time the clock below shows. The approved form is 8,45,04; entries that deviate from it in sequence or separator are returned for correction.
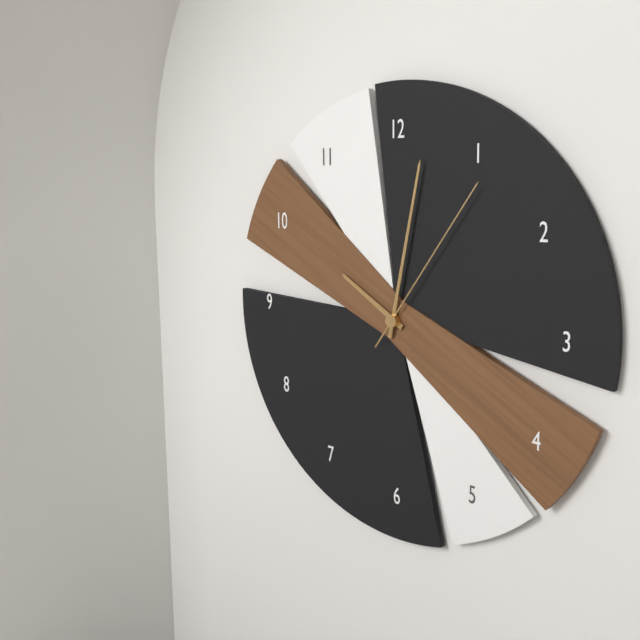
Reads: 10,02,06
